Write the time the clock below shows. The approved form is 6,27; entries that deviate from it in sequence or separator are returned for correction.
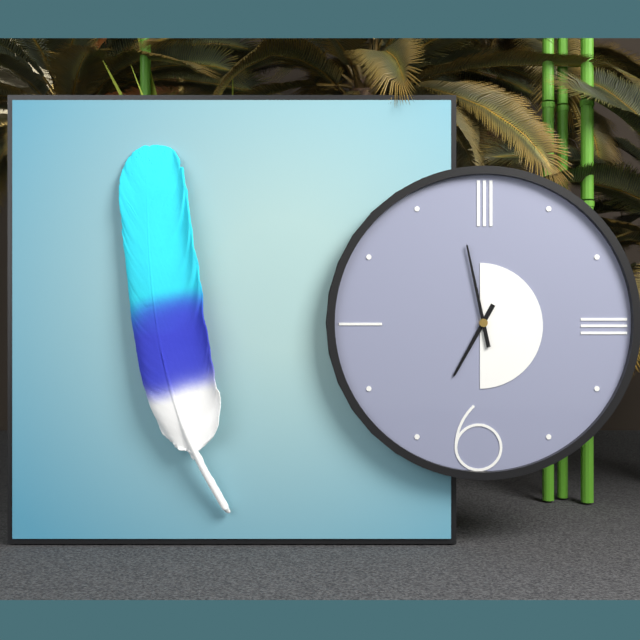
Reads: 6,58
